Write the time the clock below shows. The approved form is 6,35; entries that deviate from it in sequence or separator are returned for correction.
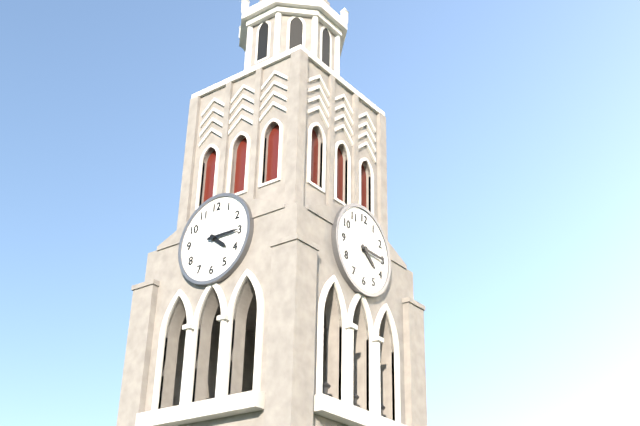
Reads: 4,15
